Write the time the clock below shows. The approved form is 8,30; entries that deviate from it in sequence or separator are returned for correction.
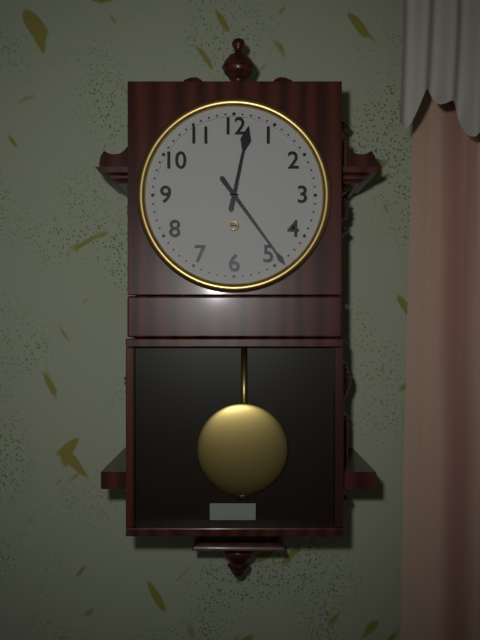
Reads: 12,24
